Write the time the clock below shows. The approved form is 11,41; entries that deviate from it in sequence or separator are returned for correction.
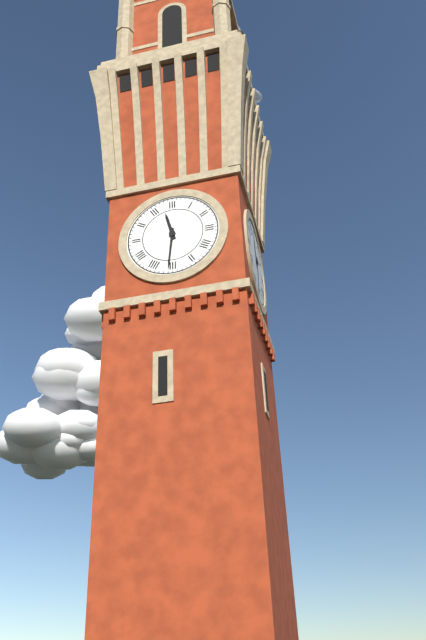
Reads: 11,31
